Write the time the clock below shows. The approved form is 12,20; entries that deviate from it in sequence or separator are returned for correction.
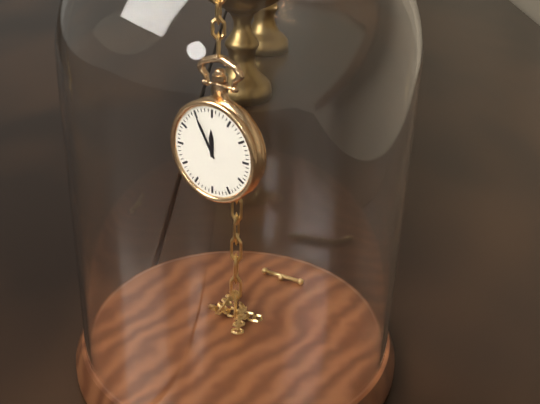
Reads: 11,55
